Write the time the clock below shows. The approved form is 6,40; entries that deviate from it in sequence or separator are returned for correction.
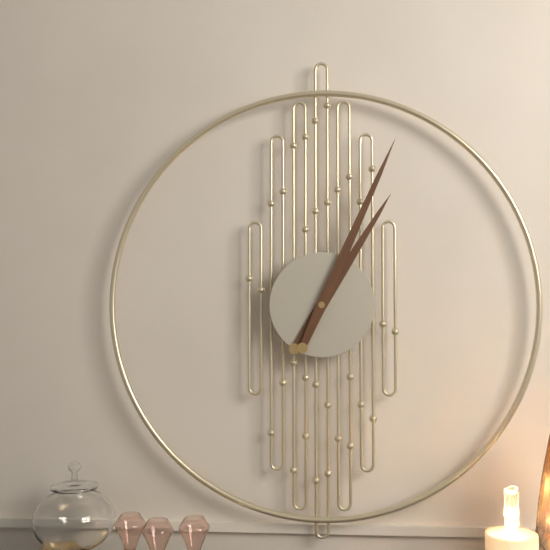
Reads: 1,04
